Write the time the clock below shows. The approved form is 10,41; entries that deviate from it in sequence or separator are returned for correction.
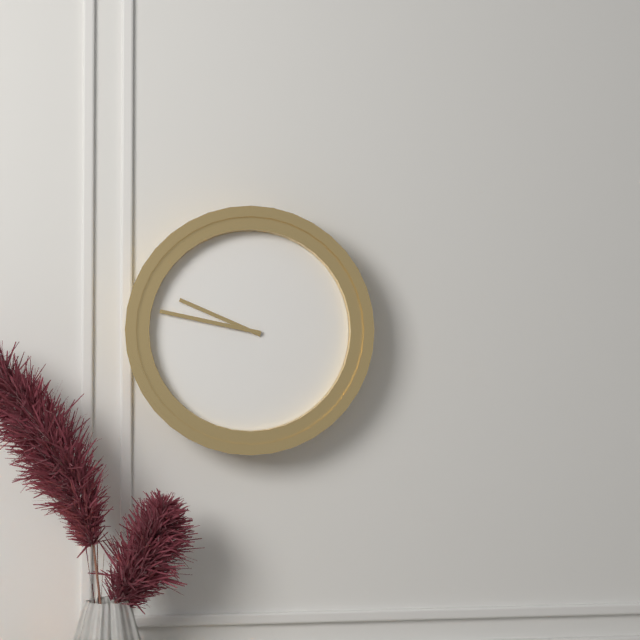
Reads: 9,47
